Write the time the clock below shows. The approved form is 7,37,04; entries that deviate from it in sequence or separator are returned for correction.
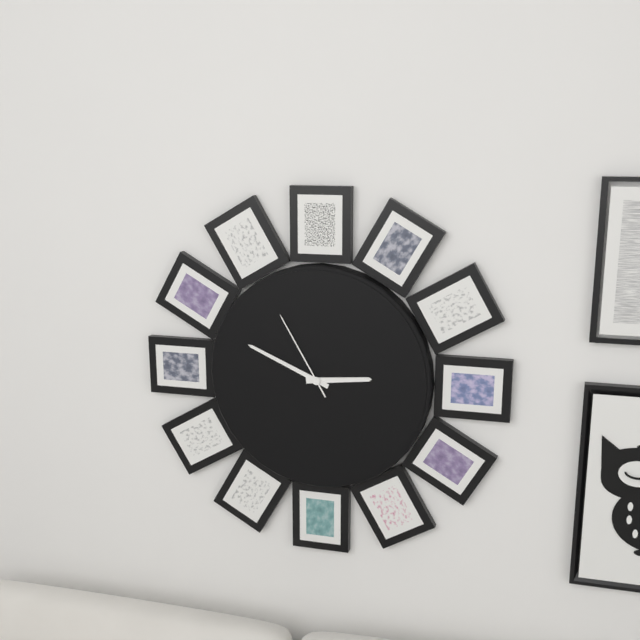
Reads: 2,49,55
